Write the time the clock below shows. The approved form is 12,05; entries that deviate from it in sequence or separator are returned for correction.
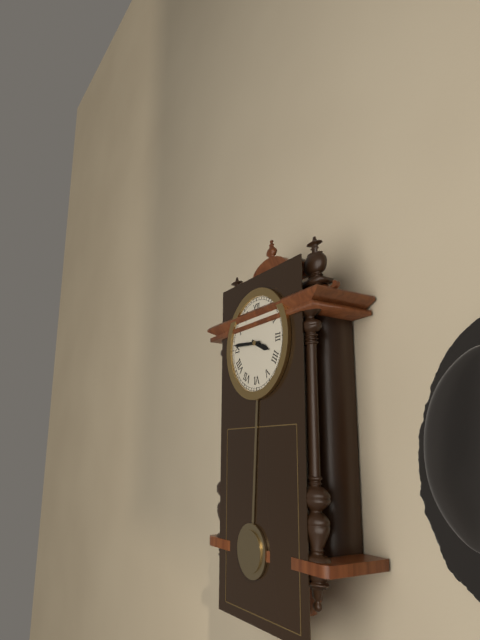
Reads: 3,46
